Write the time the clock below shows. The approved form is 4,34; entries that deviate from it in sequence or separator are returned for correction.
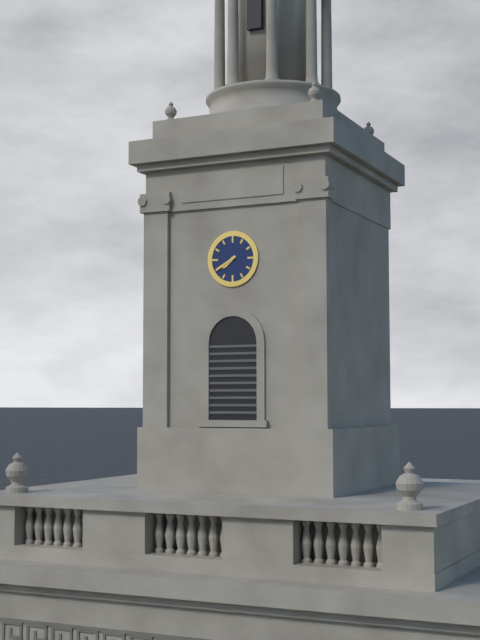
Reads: 7,40
